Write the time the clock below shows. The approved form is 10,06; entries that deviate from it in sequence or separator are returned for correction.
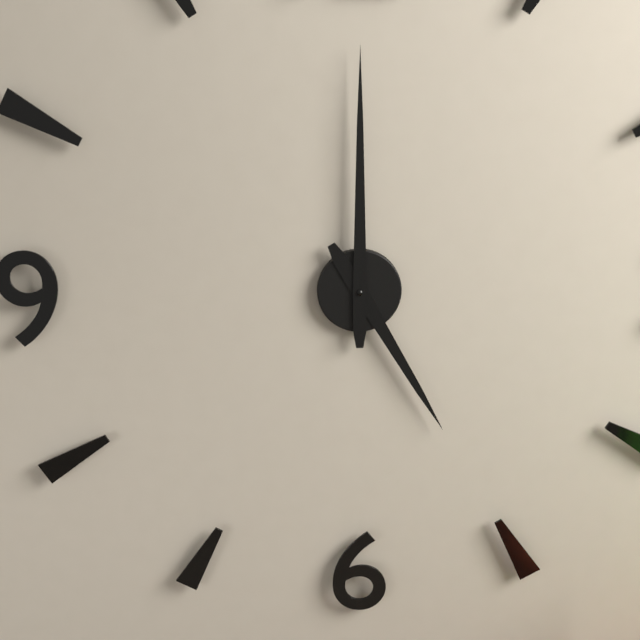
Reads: 5,00
